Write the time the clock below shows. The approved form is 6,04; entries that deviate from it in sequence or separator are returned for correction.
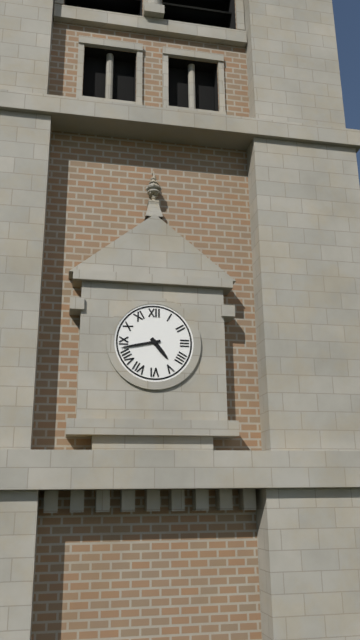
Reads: 4,43
